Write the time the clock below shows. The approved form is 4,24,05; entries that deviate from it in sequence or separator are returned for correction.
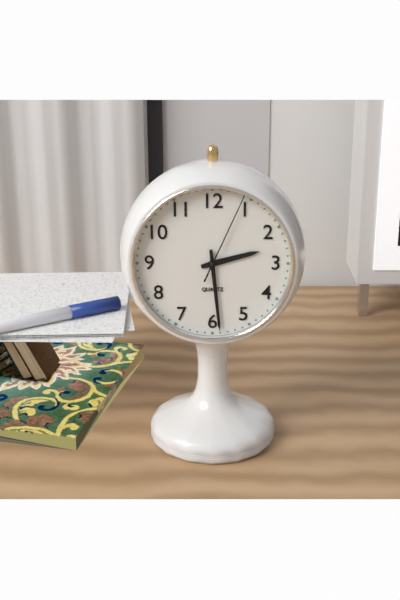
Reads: 2,29,04
